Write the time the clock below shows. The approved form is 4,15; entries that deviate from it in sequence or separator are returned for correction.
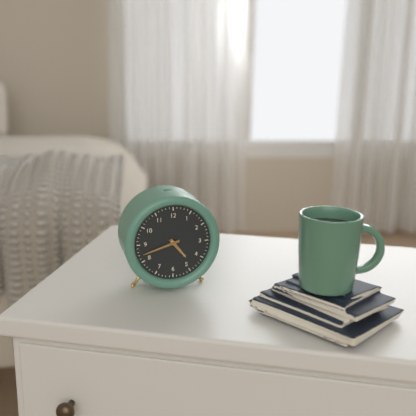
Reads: 4,42
